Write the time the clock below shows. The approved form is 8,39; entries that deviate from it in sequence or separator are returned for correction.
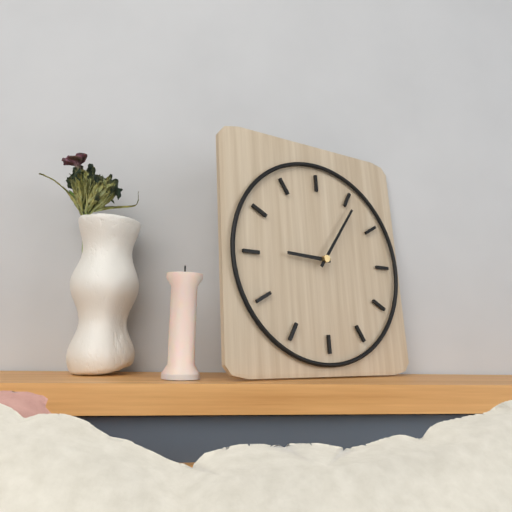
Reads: 9,06
